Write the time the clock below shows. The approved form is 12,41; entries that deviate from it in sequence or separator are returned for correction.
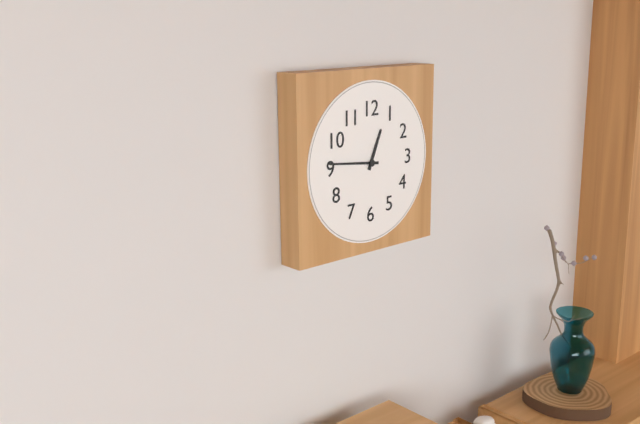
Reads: 12,46
